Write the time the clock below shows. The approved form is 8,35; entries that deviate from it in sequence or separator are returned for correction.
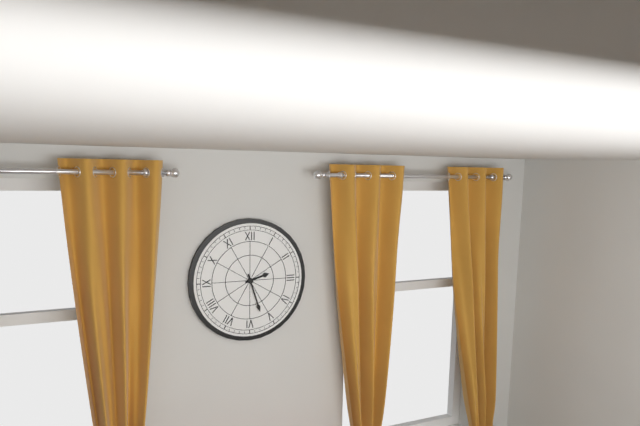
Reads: 2,27
